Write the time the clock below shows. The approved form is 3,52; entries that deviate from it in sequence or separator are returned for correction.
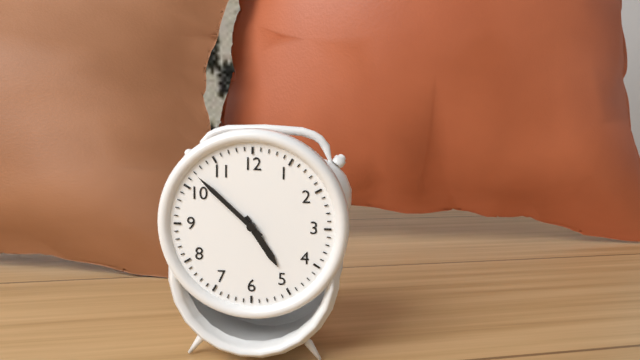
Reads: 4,52
